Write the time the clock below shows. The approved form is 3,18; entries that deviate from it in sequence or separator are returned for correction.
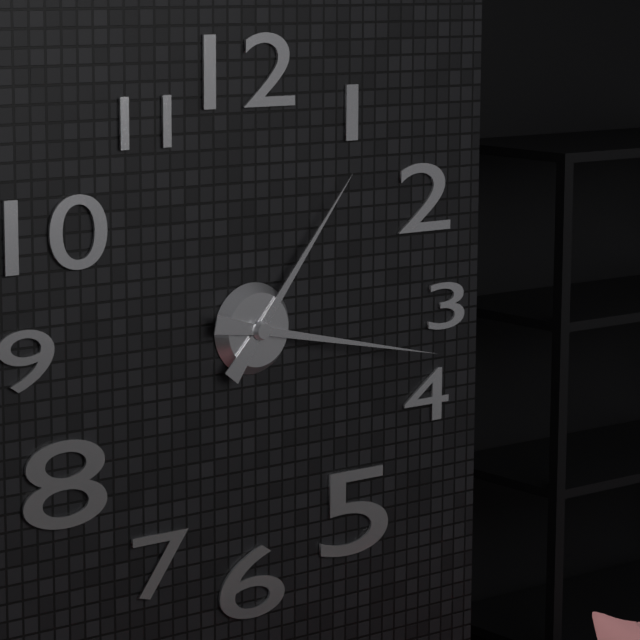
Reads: 1,17
